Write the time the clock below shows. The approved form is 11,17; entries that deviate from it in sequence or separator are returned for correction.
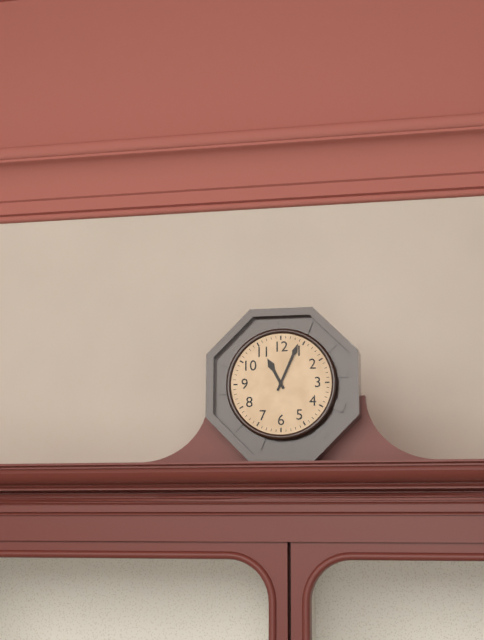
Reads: 11,04
